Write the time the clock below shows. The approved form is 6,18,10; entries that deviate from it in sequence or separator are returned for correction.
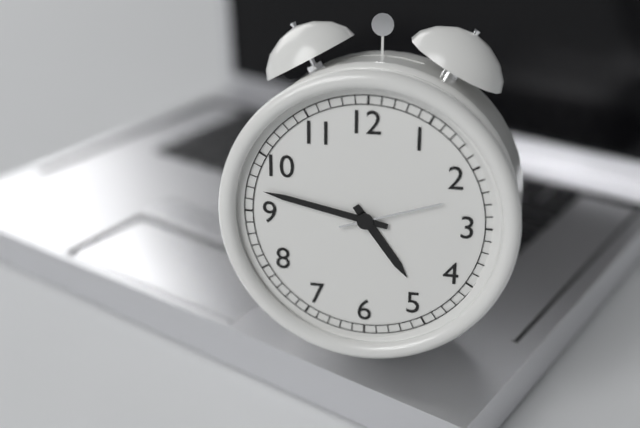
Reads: 4,47,12
